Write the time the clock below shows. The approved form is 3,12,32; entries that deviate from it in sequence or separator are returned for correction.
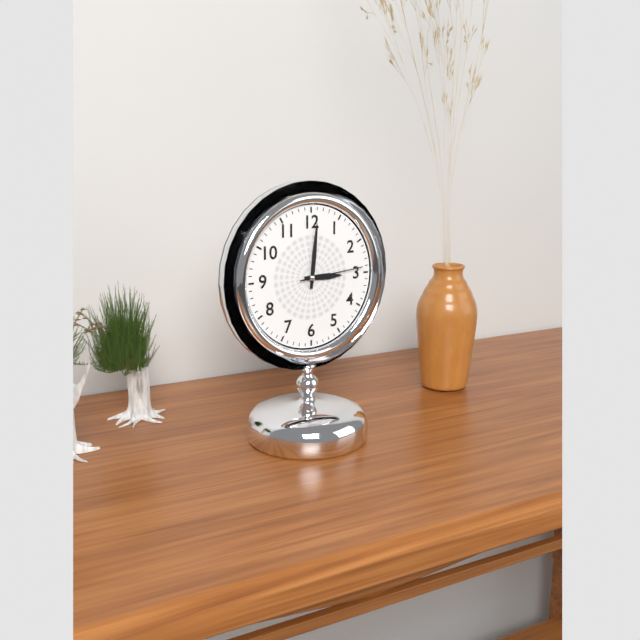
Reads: 3,01,14
